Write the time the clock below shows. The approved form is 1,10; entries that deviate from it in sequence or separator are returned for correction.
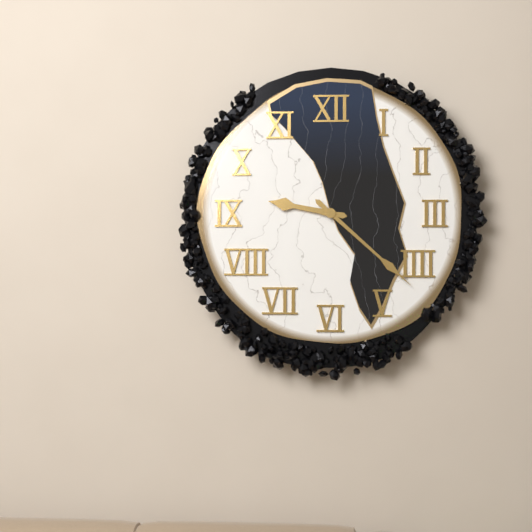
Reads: 9,22
